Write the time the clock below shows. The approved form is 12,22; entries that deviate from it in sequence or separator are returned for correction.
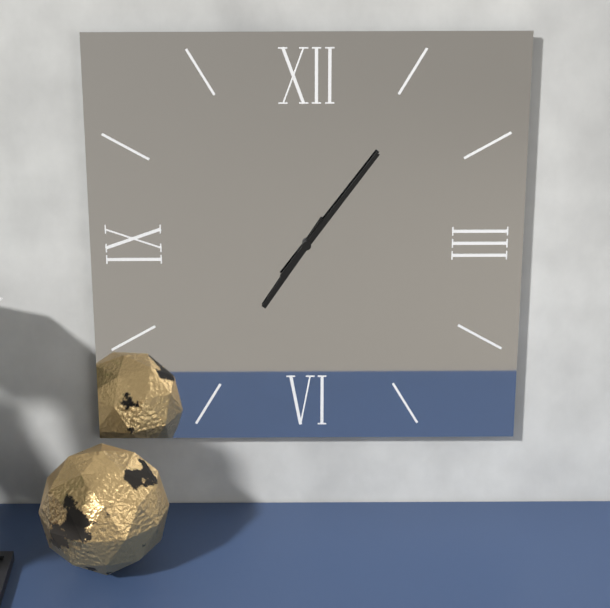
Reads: 7,06
